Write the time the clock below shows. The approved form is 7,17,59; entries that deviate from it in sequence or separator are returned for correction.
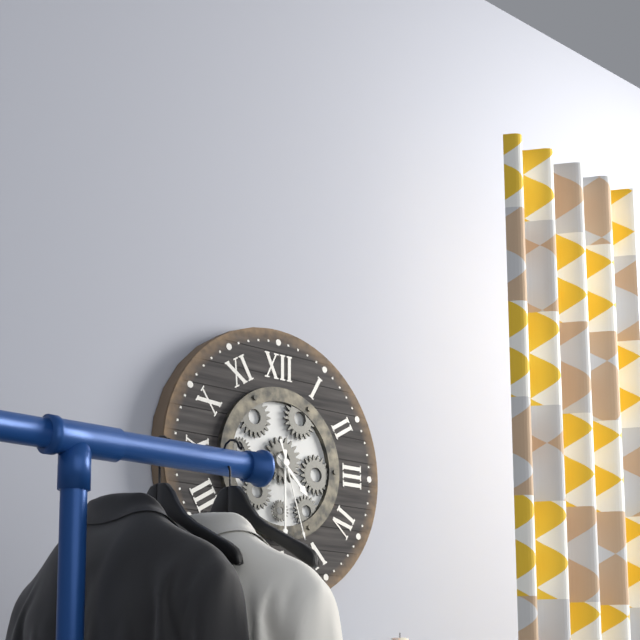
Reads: 4,30,27
